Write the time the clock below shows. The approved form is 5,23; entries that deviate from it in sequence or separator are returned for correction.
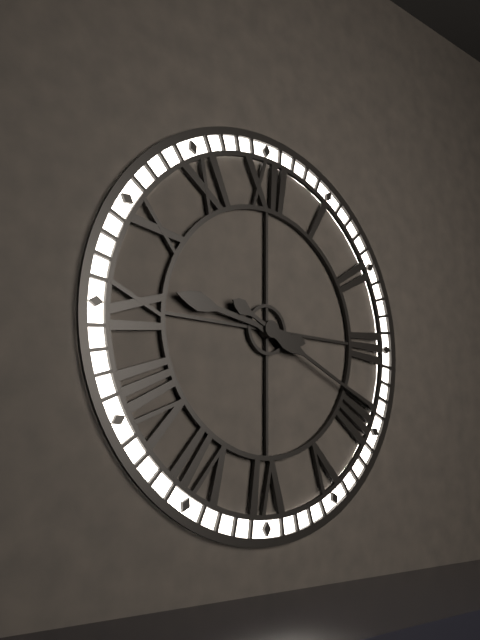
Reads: 9,19
